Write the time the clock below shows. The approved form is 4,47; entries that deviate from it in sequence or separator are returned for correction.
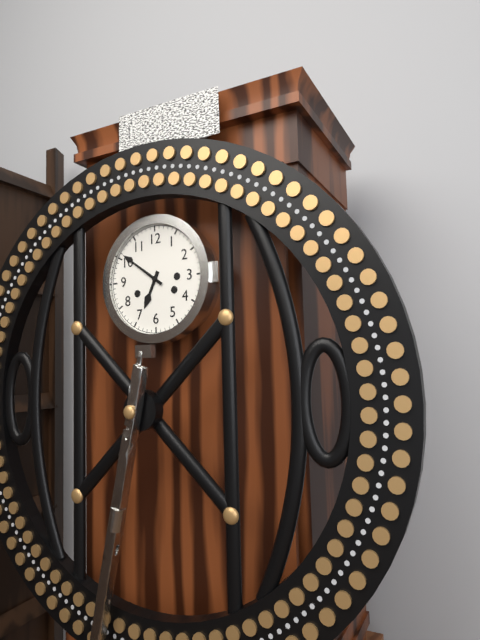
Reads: 6,51
